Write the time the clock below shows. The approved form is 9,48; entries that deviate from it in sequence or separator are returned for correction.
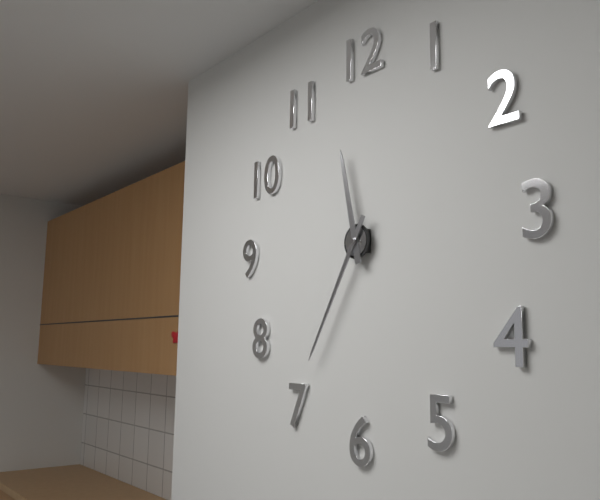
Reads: 11,35
